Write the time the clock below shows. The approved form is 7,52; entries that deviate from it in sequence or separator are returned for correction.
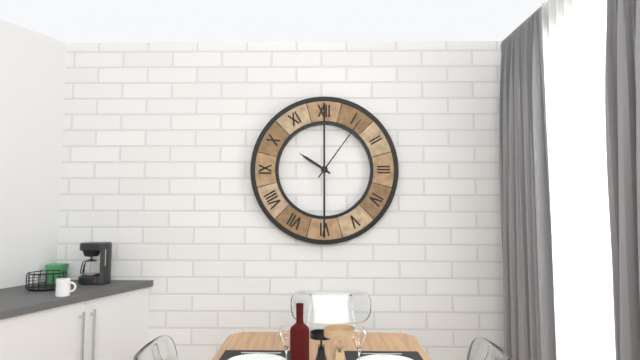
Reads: 10,06
